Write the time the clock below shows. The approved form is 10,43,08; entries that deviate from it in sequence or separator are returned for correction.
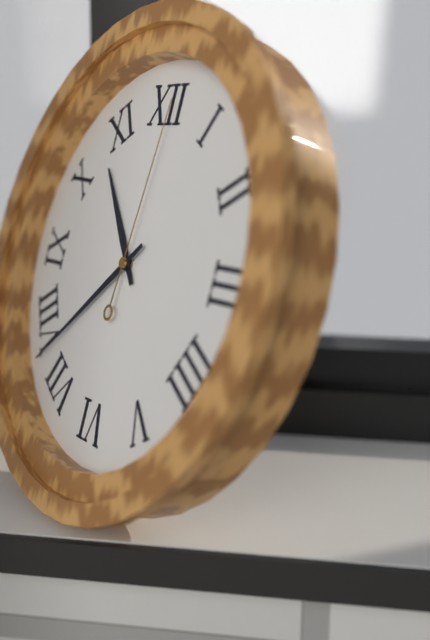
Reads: 10,38,01
